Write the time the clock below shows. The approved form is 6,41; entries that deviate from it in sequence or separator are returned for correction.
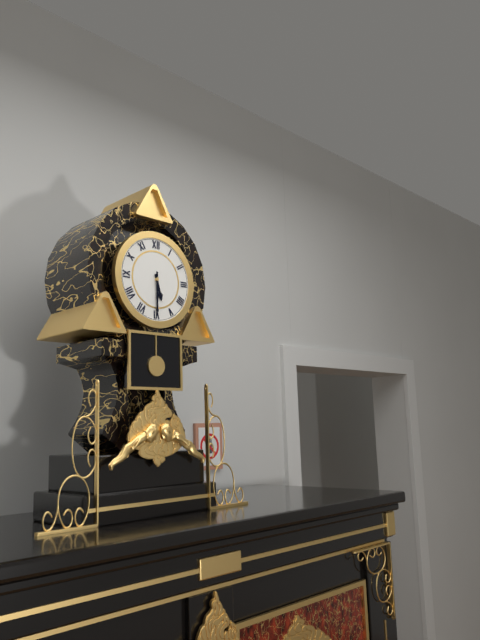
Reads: 5,30
